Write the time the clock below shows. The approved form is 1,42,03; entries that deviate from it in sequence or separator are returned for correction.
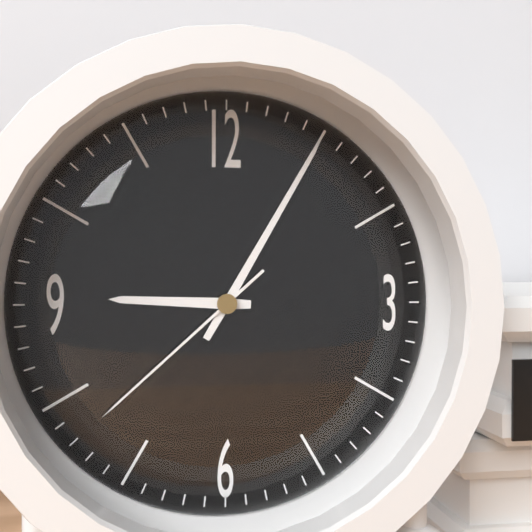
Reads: 9,05,38
